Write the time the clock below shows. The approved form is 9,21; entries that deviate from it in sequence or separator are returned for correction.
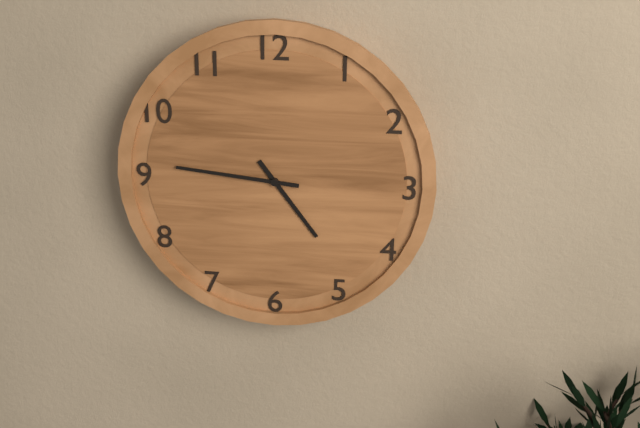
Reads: 4,46
